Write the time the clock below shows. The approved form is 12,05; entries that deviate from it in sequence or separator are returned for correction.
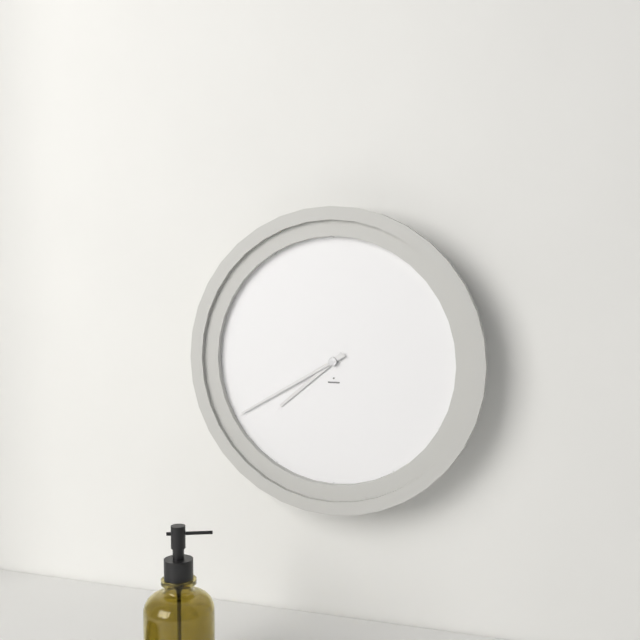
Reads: 7,40
